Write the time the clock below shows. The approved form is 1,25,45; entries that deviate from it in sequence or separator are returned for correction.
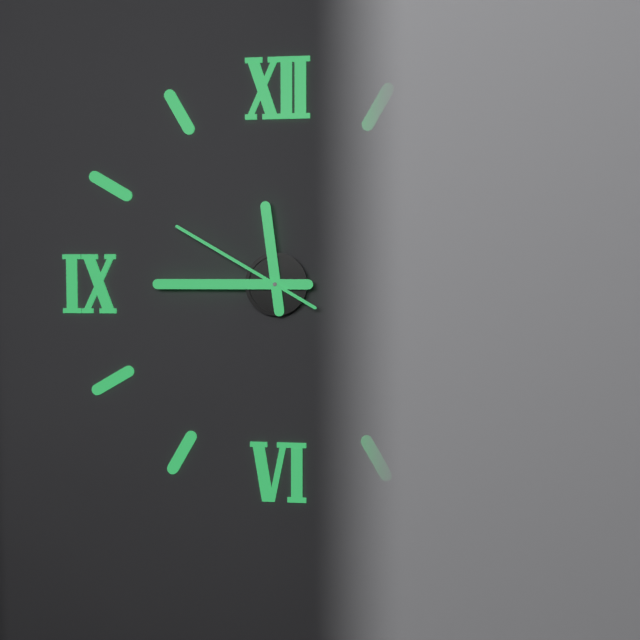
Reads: 11,45,50
